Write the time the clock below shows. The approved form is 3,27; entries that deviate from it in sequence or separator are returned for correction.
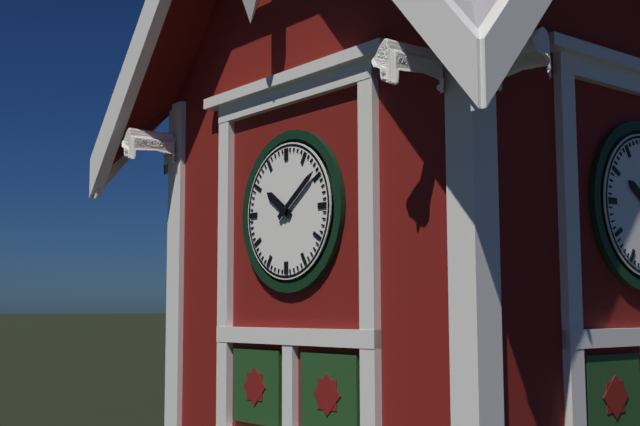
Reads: 10,09
